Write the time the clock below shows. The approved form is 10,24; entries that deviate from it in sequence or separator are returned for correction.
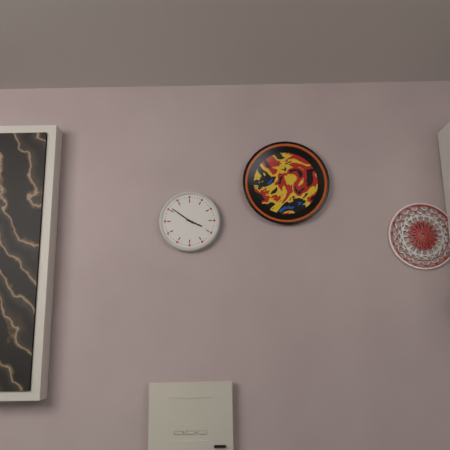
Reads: 3,51
